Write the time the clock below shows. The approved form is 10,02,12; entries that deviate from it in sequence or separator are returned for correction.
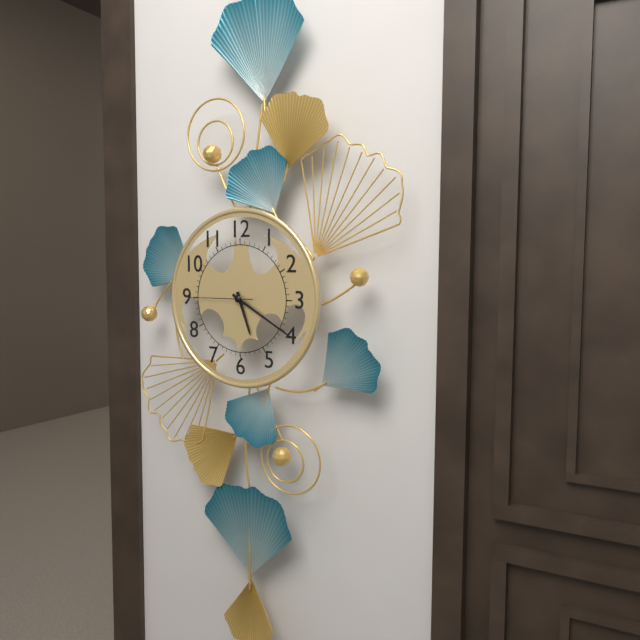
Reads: 5,20,45
